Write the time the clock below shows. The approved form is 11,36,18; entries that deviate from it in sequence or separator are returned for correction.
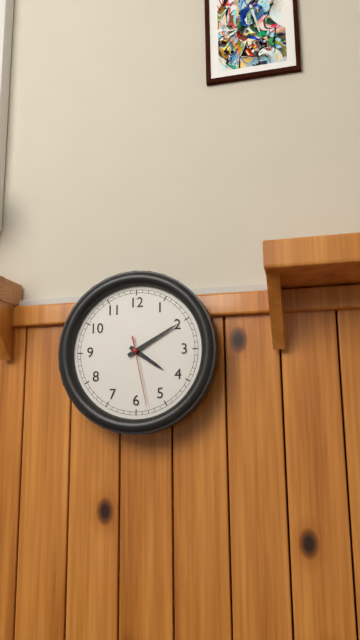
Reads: 4,10,28
